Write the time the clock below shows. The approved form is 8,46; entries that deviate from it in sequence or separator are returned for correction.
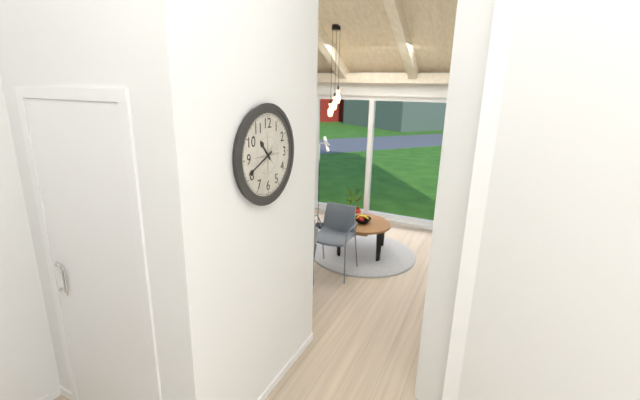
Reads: 10,41
